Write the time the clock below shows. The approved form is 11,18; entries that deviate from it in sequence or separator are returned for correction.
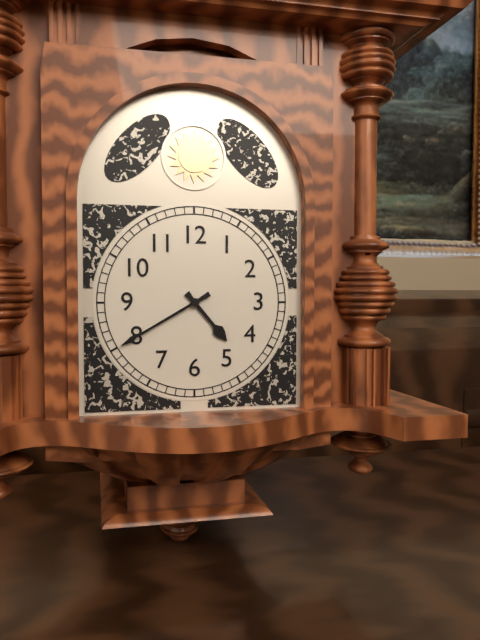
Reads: 4,40
